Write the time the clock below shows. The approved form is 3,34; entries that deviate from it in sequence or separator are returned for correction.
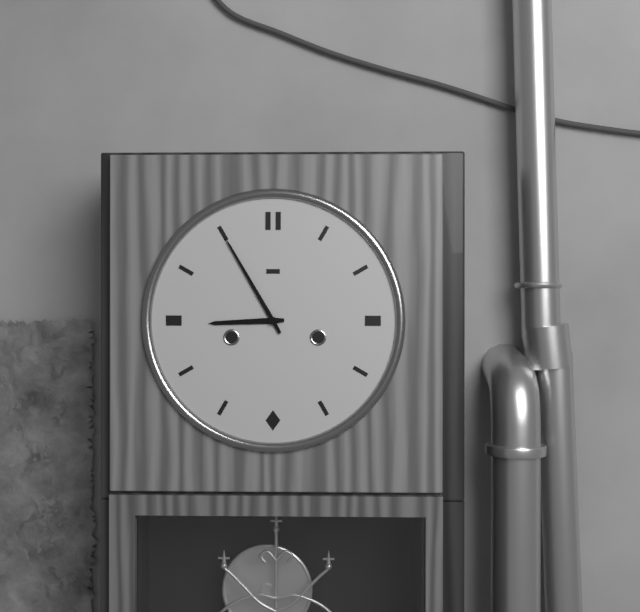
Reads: 8,55
